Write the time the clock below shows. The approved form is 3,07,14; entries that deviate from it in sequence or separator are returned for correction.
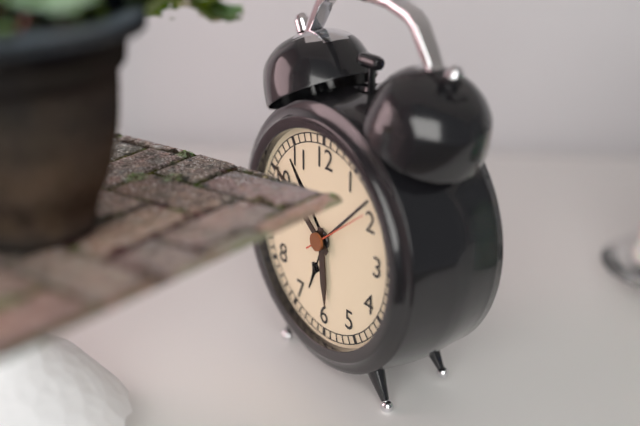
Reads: 5,51,09
